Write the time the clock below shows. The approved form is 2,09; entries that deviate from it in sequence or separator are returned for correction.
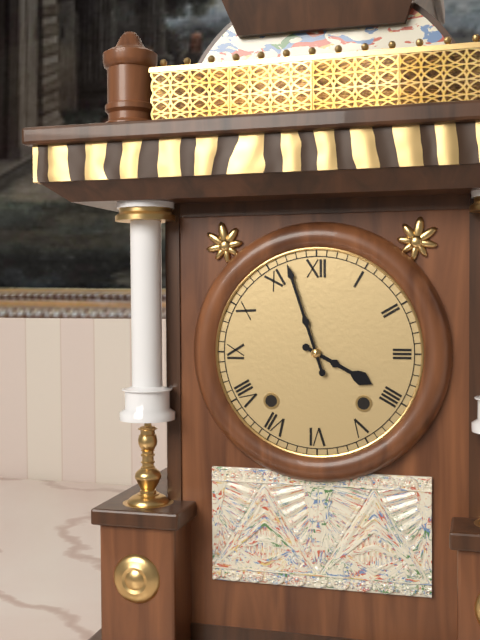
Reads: 3,57
